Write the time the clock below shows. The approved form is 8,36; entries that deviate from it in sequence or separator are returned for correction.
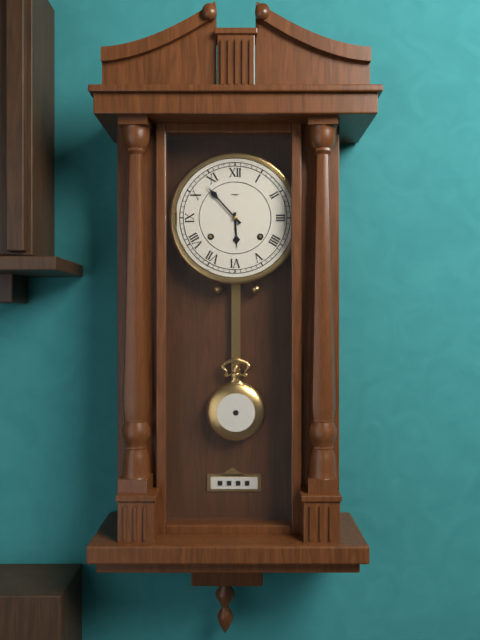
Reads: 5,53
